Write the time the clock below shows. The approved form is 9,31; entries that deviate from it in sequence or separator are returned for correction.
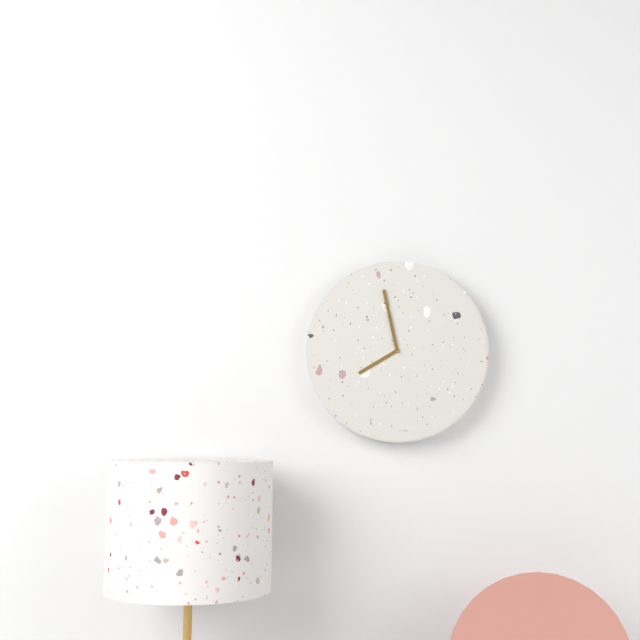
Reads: 7,58
